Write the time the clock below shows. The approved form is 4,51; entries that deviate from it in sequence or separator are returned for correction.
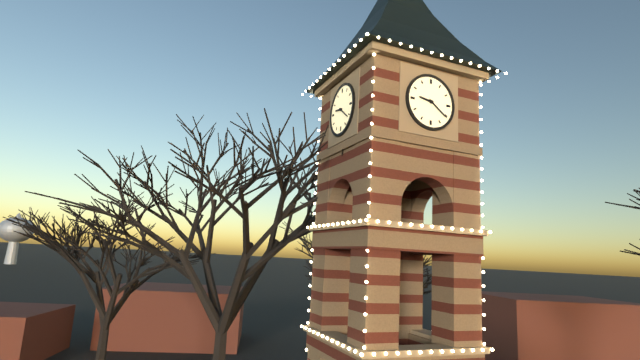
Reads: 9,21
